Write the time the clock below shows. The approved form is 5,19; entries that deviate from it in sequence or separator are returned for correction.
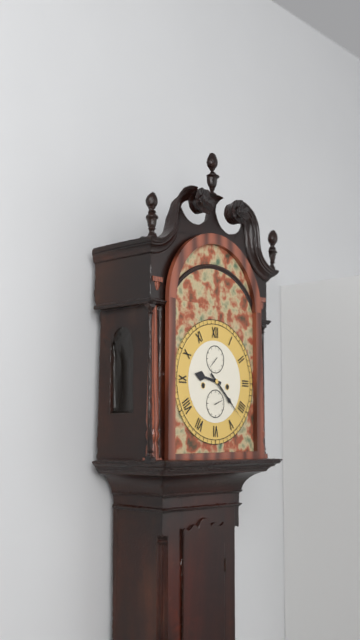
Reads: 9,22
